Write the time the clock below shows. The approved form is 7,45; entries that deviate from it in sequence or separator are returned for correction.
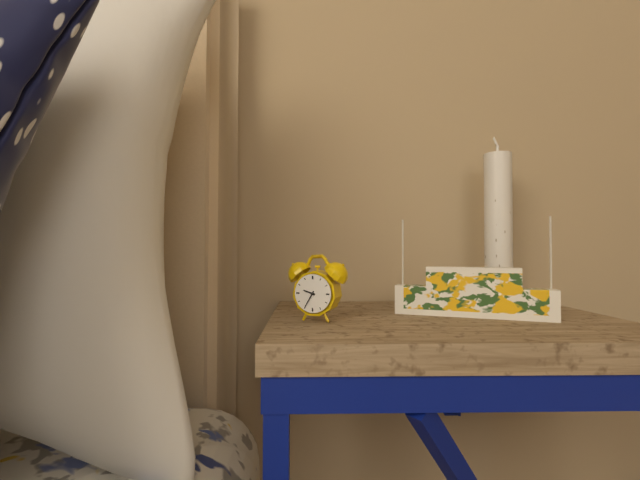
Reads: 9,35
